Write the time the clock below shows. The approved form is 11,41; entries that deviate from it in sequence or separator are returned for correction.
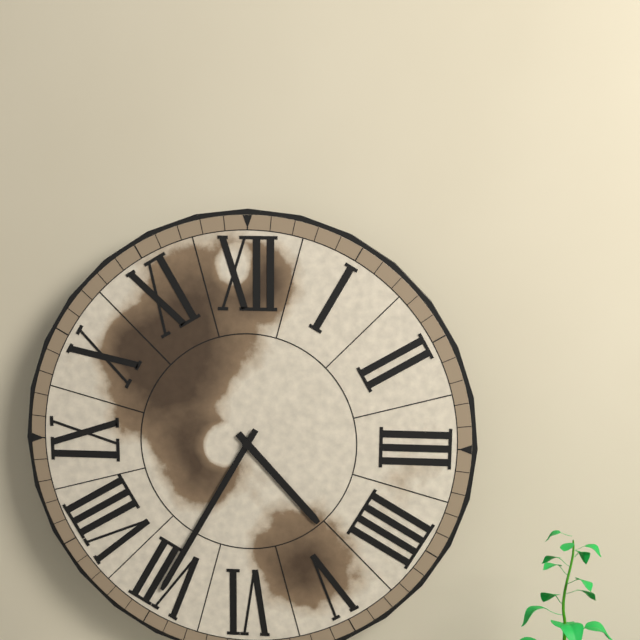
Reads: 4,35
